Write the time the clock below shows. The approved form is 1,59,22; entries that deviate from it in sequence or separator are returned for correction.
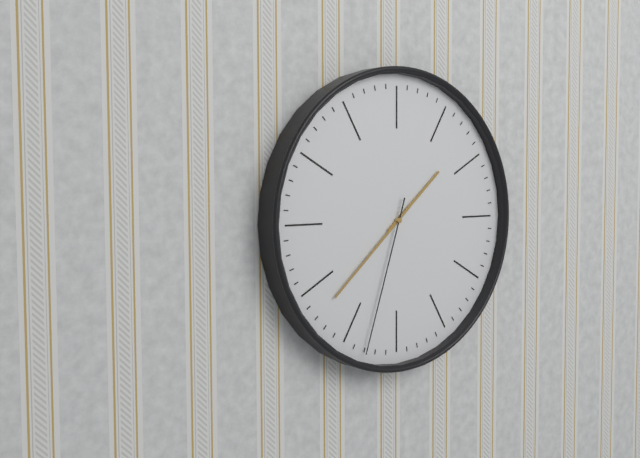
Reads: 1,38,33
